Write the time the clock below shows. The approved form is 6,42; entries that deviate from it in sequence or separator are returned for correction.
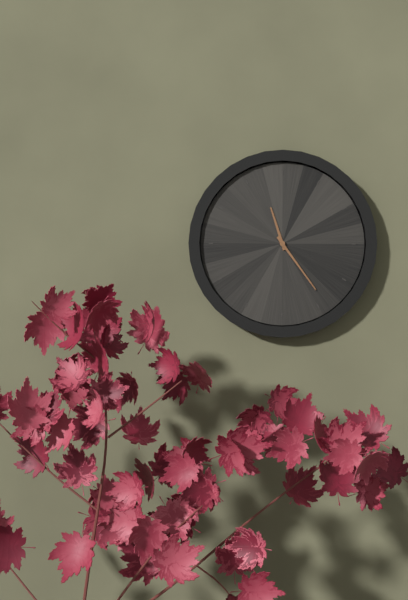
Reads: 11,24
